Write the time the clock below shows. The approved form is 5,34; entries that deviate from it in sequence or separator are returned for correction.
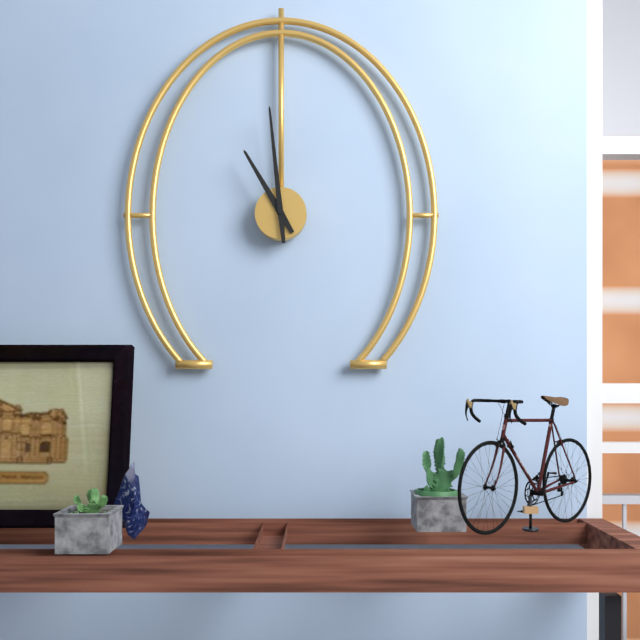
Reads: 10,59
